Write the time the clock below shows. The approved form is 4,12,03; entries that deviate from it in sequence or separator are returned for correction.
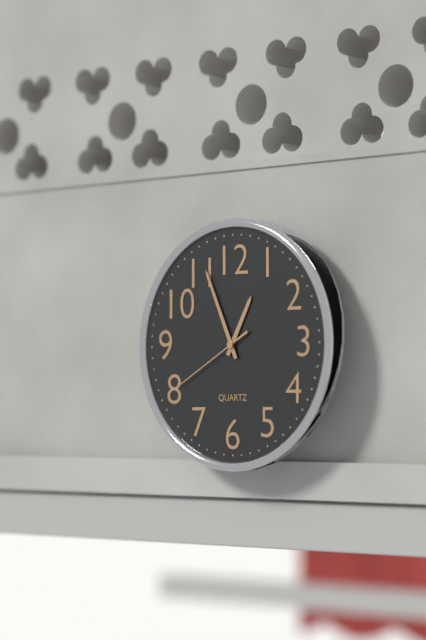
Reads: 12,56,40
